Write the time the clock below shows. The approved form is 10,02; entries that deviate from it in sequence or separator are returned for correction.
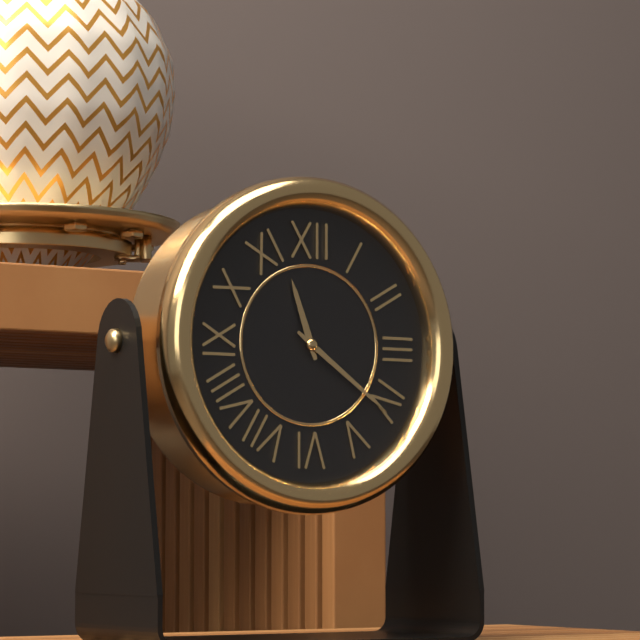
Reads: 11,21
